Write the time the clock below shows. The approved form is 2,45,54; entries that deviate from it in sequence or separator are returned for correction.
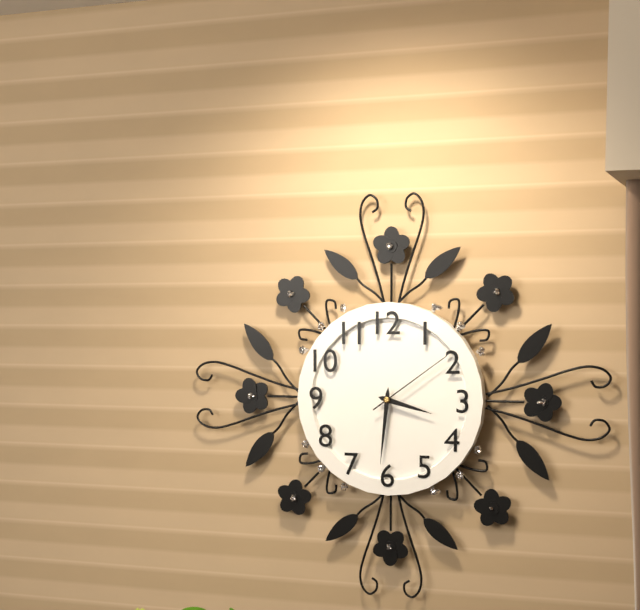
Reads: 3,31,09
